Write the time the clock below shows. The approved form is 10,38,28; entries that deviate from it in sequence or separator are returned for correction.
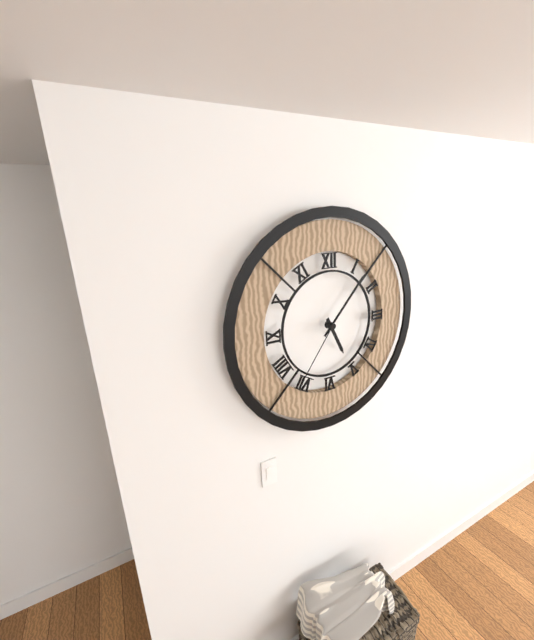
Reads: 5,07,36
